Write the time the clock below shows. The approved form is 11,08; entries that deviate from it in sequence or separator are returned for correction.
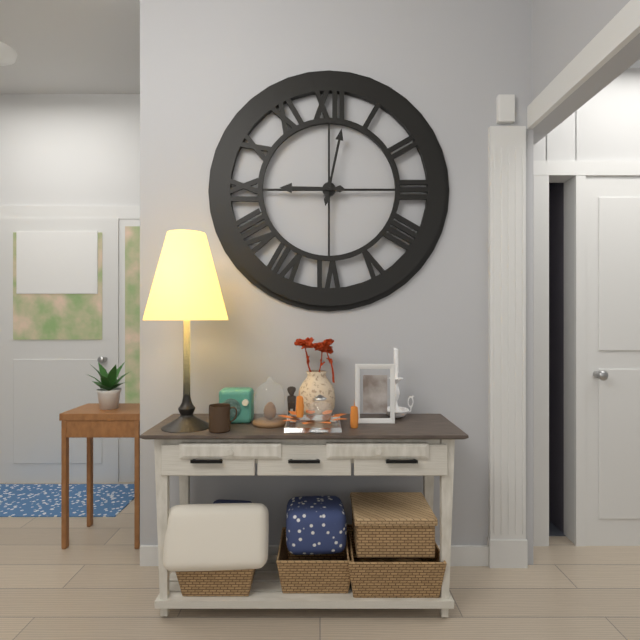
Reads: 9,02
